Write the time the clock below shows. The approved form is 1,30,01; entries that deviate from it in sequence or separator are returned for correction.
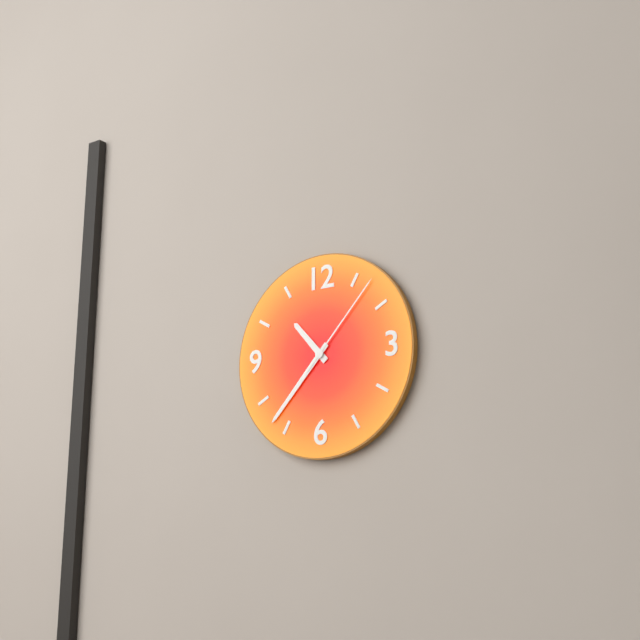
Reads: 10,37,07
